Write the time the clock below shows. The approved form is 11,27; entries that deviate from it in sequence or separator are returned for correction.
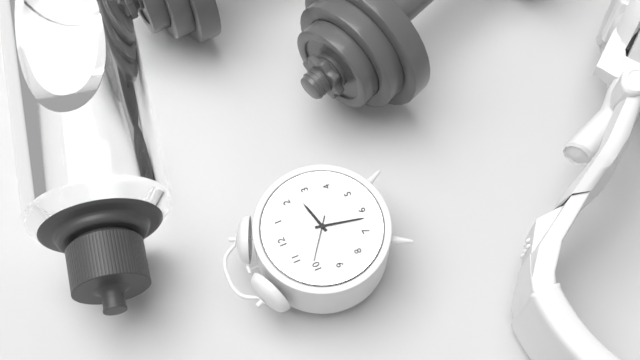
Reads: 2,32
